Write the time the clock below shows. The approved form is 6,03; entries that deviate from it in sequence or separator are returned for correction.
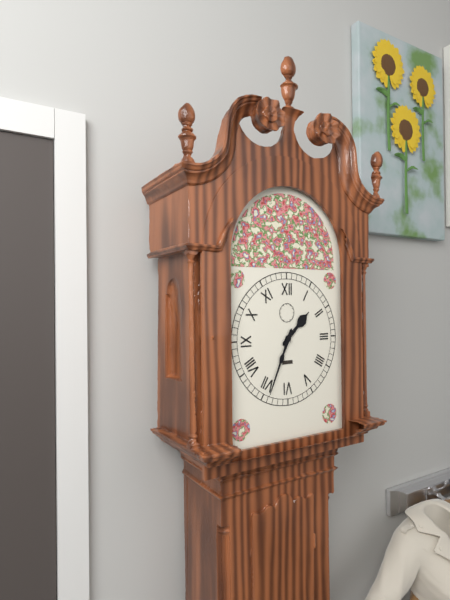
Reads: 1,34
